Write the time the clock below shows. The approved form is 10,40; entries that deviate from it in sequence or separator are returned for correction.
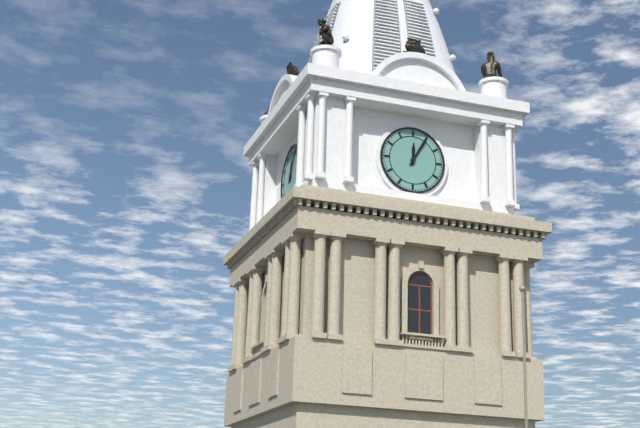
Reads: 12,05
